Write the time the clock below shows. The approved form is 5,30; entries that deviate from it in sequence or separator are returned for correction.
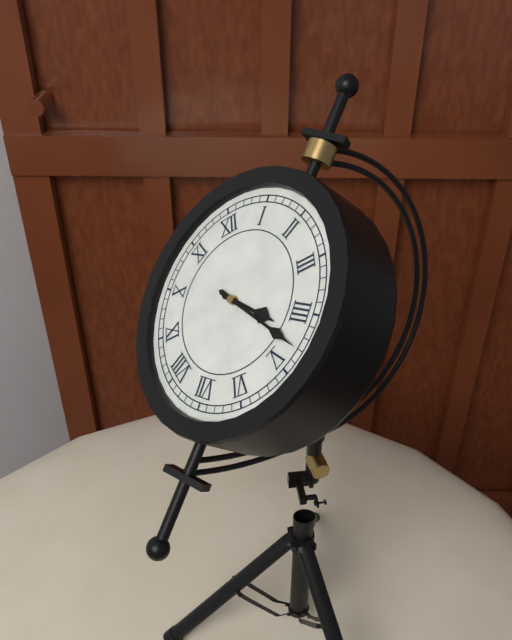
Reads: 4,23
